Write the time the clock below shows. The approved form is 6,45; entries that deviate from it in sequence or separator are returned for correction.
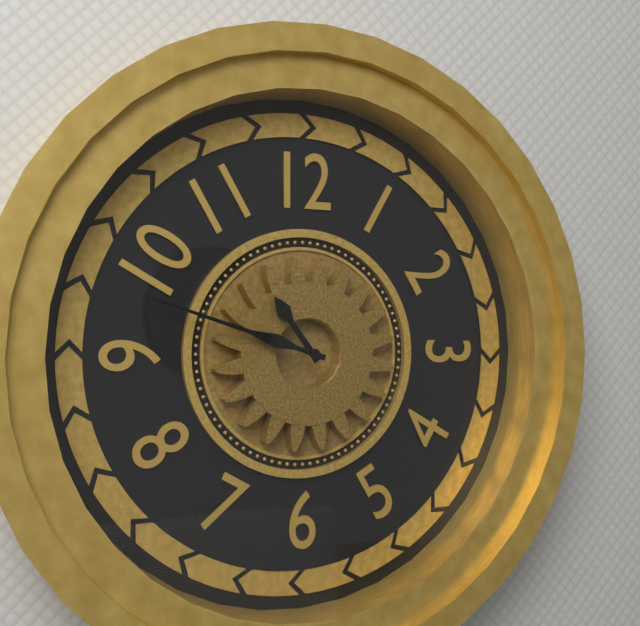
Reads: 10,48
